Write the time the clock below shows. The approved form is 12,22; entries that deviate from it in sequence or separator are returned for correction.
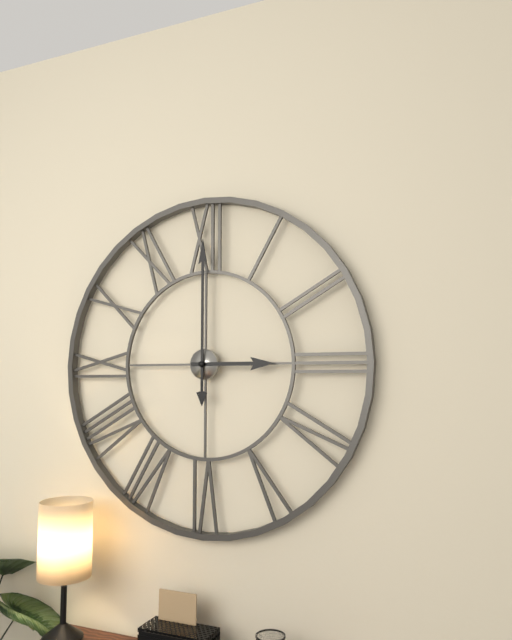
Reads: 3,00
